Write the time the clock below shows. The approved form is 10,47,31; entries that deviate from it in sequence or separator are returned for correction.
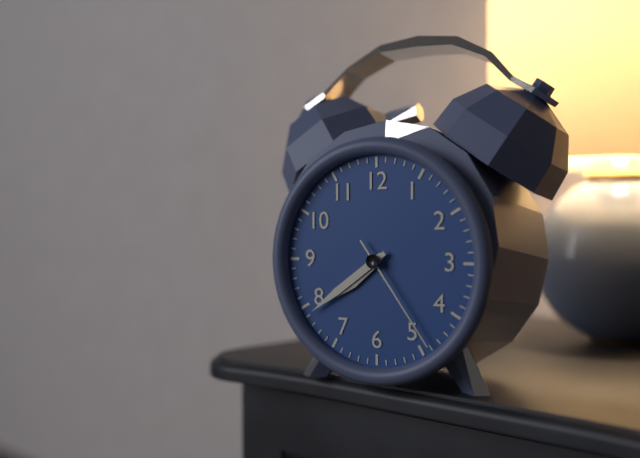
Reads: 7,39,24
